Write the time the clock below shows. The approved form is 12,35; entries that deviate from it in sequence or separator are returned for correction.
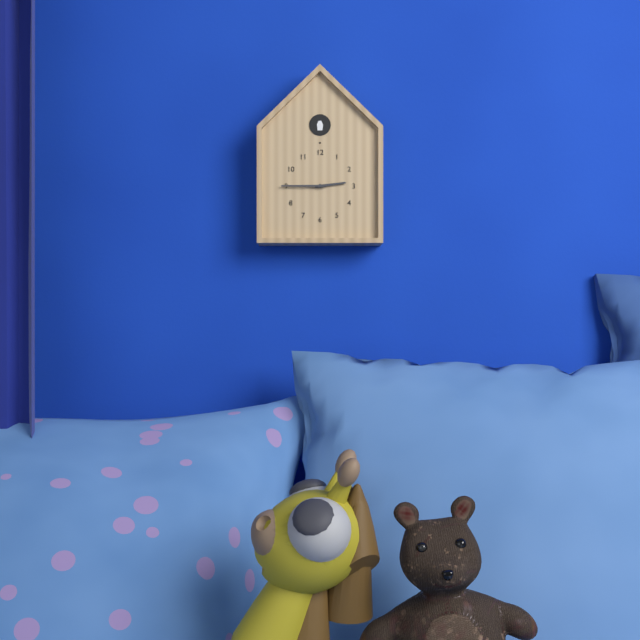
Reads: 2,45
